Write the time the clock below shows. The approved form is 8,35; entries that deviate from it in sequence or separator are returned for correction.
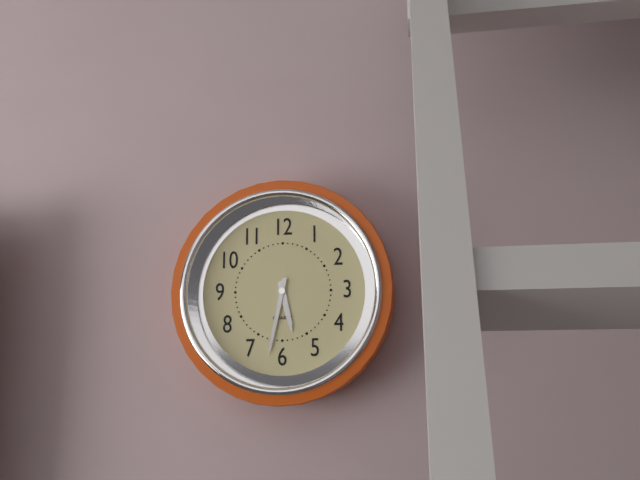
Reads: 5,32
